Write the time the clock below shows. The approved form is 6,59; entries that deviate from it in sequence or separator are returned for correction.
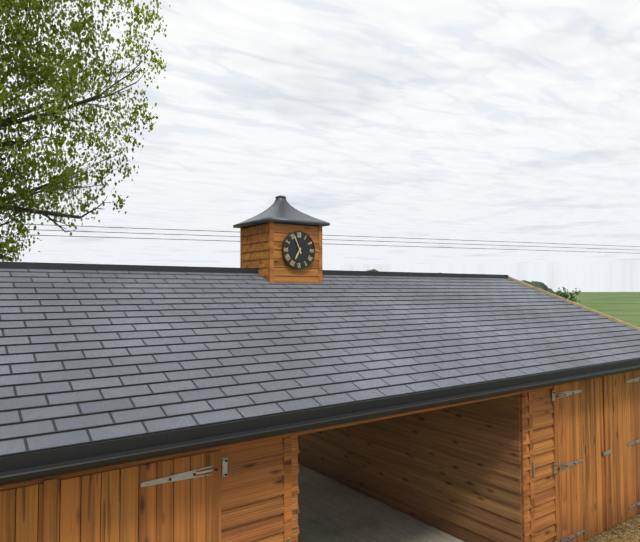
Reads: 6,56
